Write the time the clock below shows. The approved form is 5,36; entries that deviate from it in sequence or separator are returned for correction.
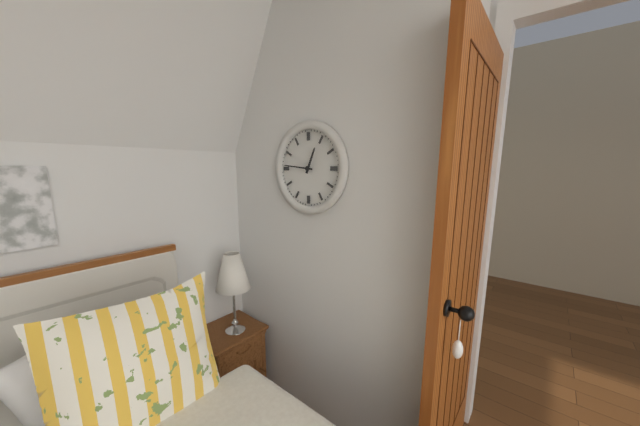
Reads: 12,46
